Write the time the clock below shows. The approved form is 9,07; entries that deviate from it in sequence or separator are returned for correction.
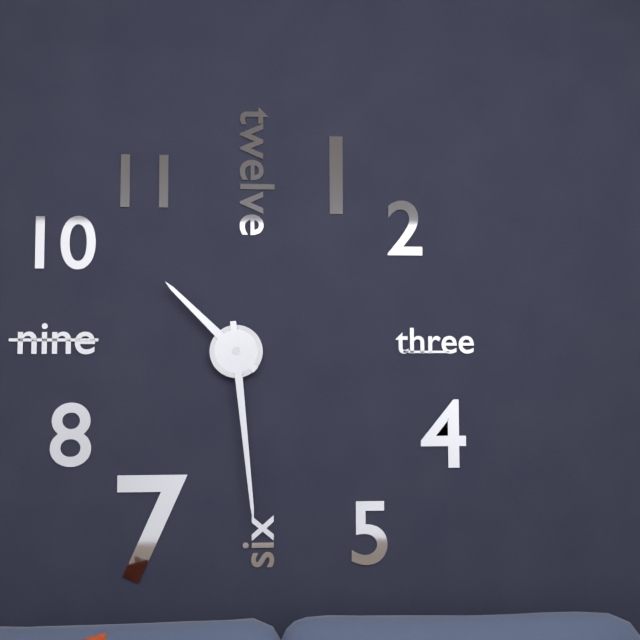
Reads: 10,29
